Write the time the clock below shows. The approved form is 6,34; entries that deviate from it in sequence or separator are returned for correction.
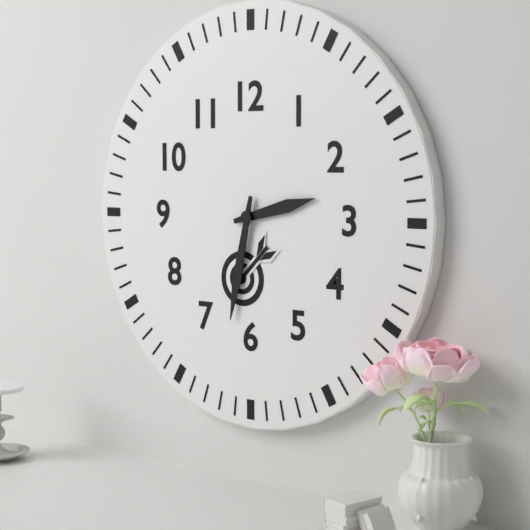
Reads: 2,32
